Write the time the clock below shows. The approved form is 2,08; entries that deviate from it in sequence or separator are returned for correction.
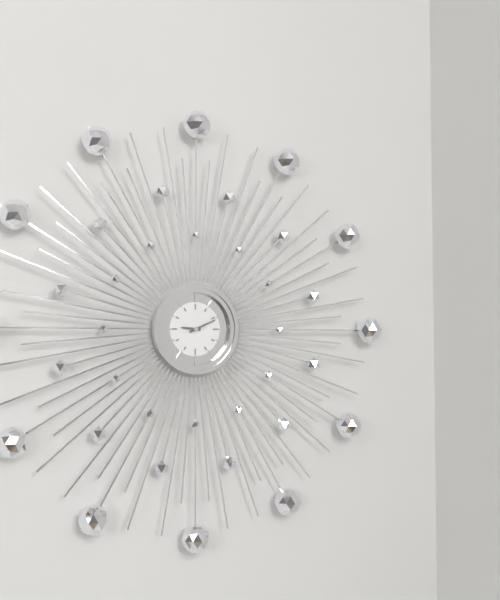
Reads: 9,11
